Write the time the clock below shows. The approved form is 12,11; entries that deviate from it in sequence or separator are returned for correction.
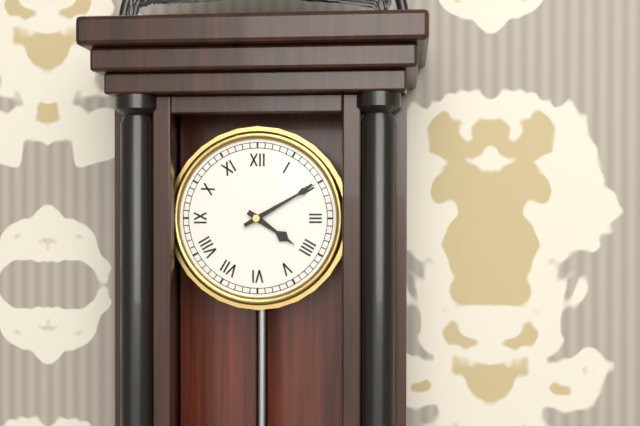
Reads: 4,10
